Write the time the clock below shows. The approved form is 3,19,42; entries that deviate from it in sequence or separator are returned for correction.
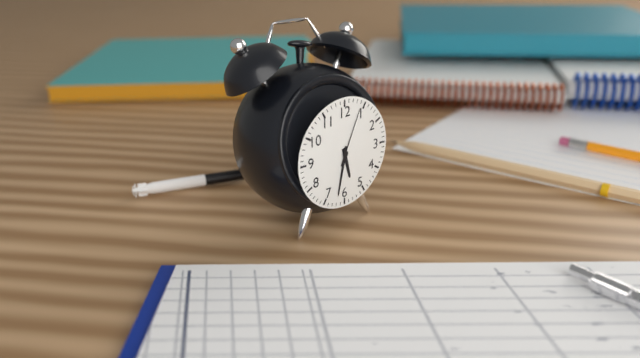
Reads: 5,32,04
